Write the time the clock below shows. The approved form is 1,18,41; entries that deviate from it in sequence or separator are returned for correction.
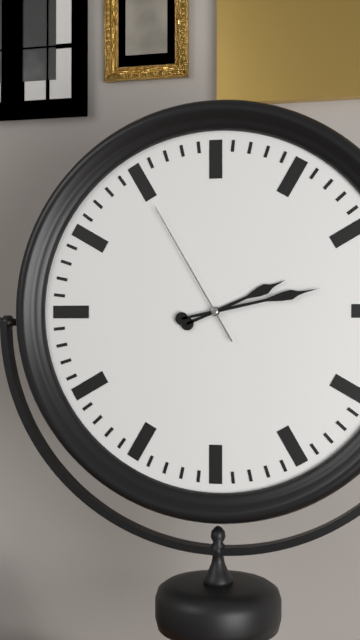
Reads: 2,13,55
